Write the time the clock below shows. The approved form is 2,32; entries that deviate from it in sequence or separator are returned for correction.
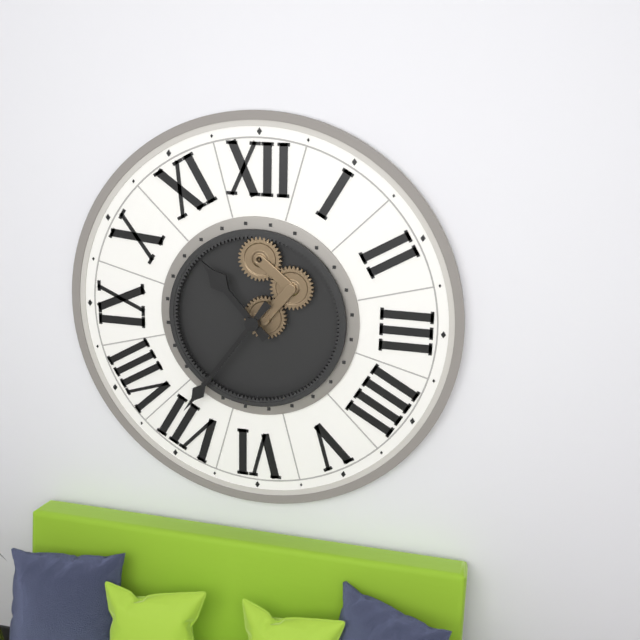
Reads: 10,36
